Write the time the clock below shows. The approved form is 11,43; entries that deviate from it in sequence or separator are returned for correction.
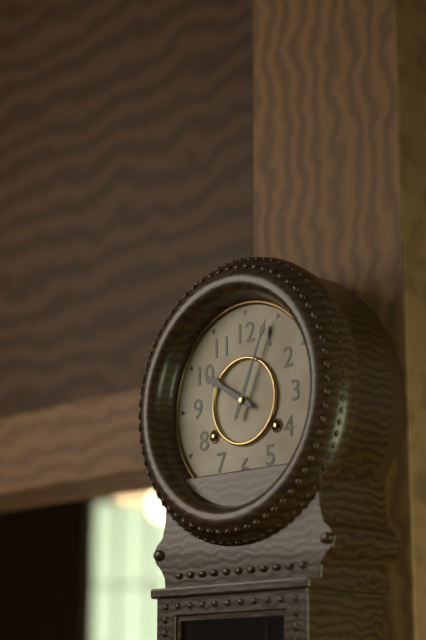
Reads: 10,04
